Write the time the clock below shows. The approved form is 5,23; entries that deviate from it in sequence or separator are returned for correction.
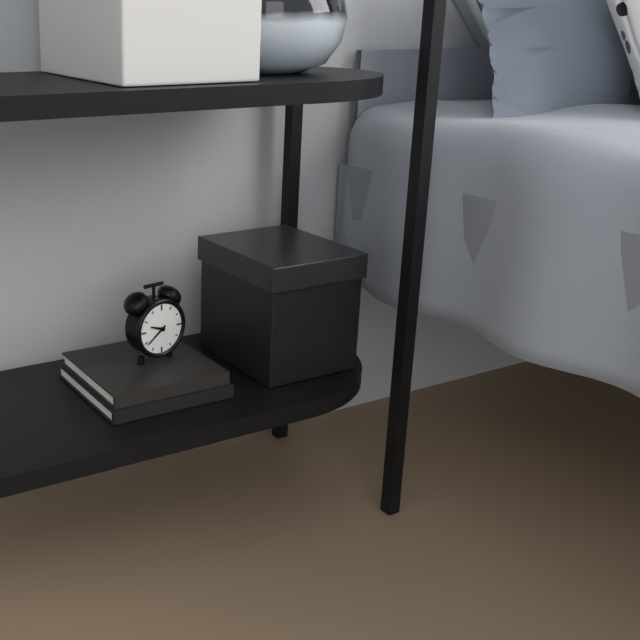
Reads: 9,39
